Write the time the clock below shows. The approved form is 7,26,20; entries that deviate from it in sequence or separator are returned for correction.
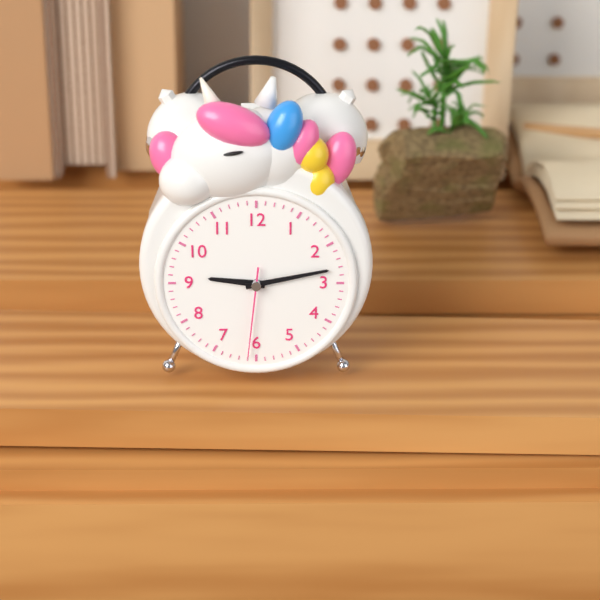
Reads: 9,13,31
